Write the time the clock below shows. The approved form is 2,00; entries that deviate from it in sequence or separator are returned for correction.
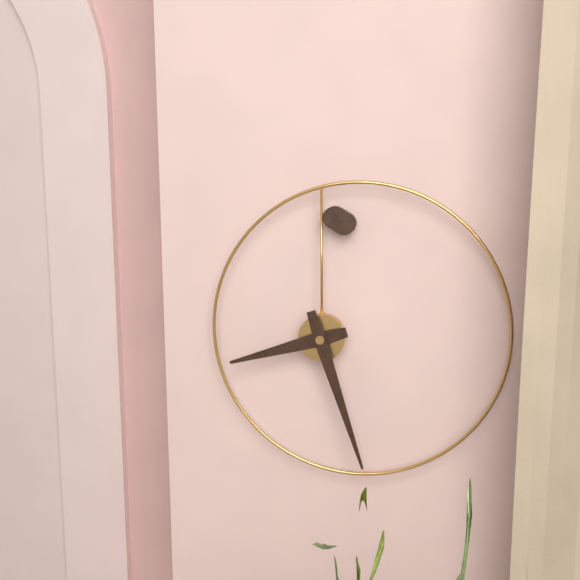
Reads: 8,27
